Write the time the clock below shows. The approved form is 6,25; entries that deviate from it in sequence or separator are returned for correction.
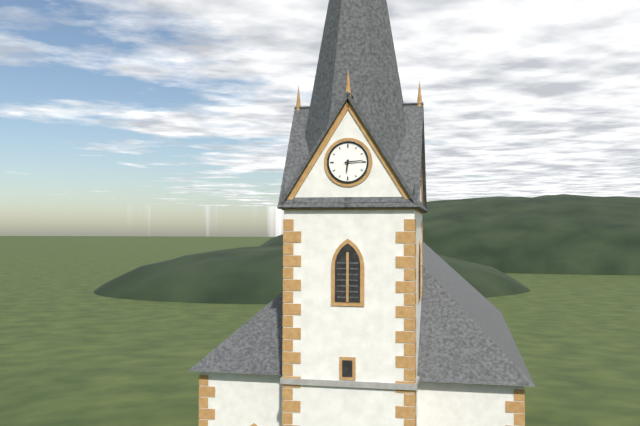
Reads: 6,14
